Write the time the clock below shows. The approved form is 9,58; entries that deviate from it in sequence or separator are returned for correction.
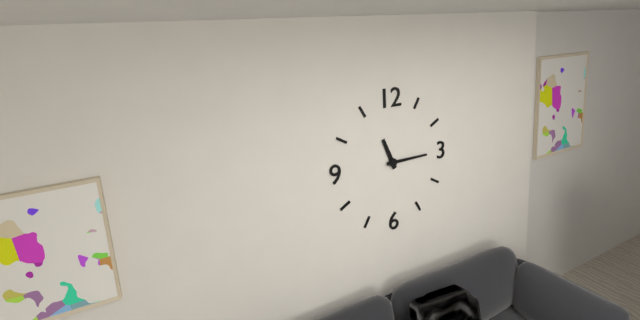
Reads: 11,15
